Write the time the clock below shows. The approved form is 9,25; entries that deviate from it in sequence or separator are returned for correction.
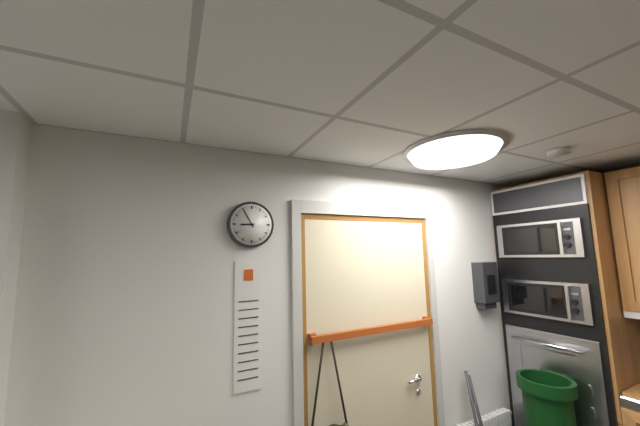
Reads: 8,55
